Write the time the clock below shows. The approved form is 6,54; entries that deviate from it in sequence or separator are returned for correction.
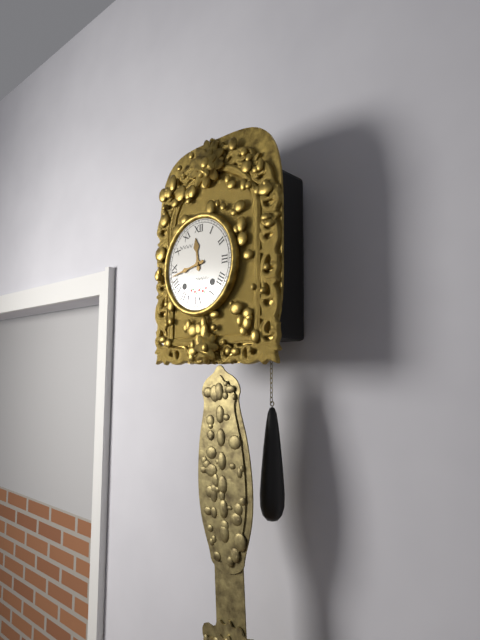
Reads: 11,43
